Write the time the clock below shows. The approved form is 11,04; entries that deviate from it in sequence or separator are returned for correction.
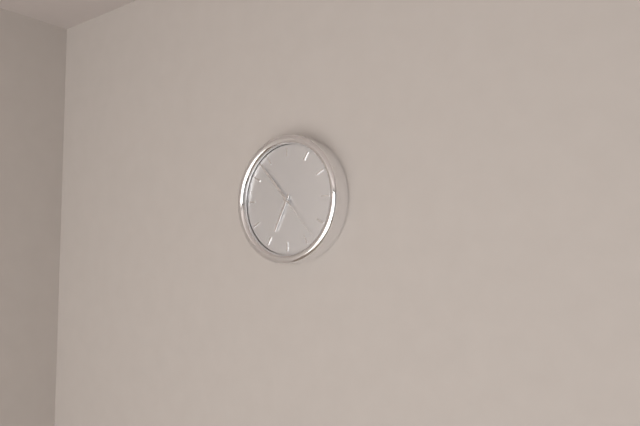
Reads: 6,53
